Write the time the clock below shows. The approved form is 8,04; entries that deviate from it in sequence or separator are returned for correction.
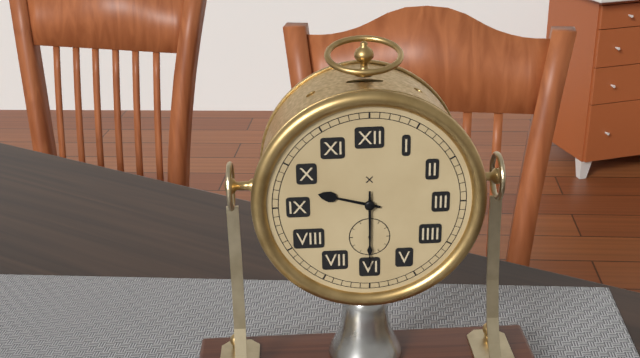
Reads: 9,30
